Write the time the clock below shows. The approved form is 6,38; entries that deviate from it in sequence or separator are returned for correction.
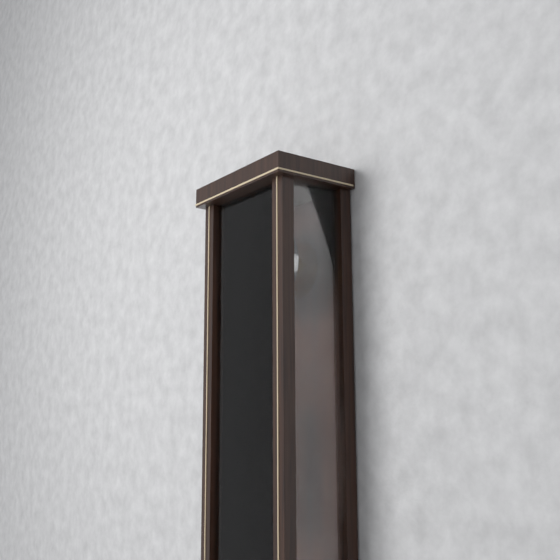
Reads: 1,51
